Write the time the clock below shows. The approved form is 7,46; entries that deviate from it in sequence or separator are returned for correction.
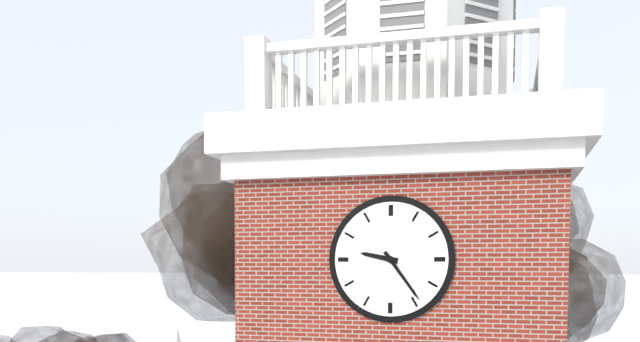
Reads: 9,24
